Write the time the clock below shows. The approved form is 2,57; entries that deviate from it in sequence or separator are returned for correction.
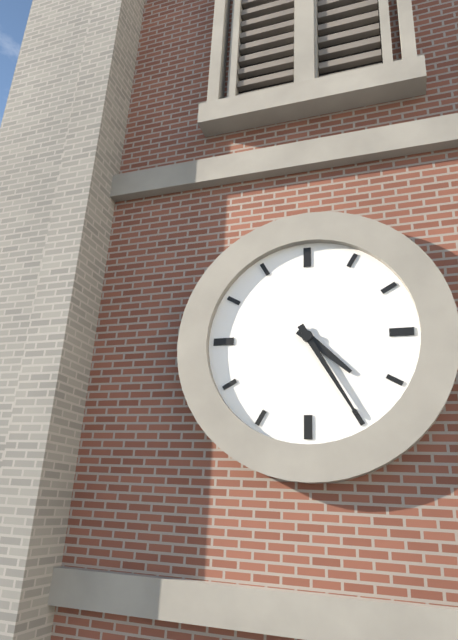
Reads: 4,25
